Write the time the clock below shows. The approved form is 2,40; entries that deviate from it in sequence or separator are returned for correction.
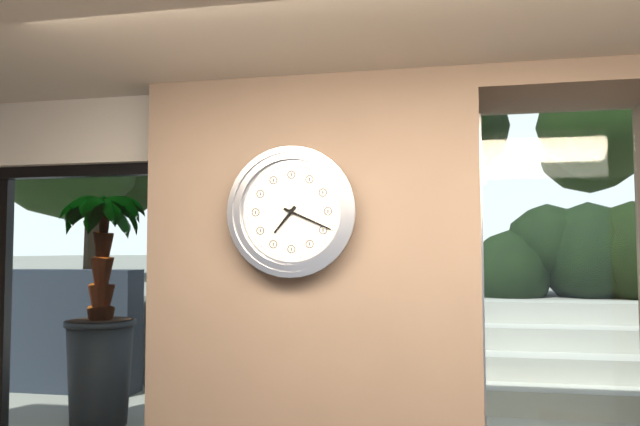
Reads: 7,19
